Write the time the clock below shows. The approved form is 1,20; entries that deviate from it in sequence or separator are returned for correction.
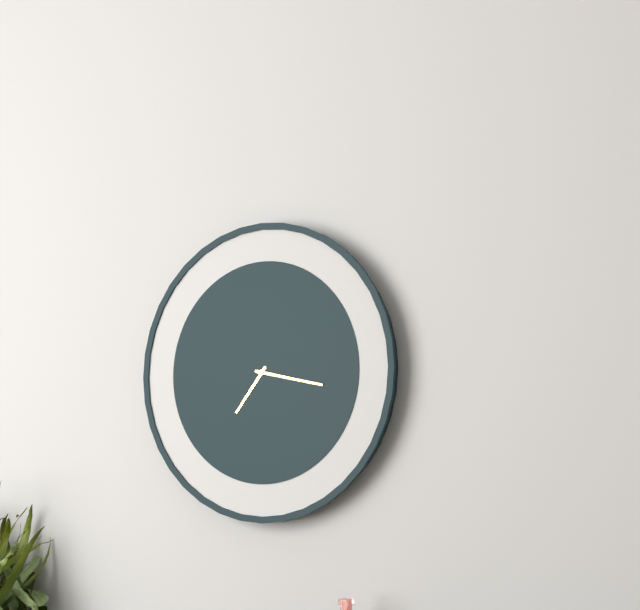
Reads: 7,17
